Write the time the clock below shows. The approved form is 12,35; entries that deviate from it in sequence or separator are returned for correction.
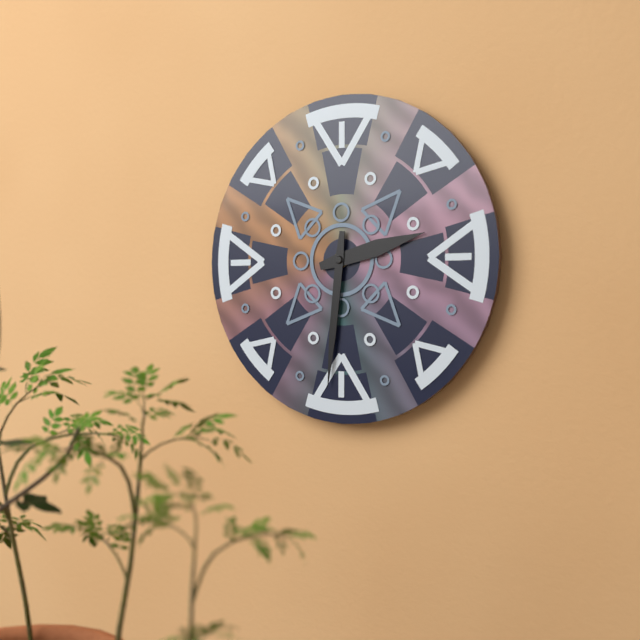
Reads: 2,31
